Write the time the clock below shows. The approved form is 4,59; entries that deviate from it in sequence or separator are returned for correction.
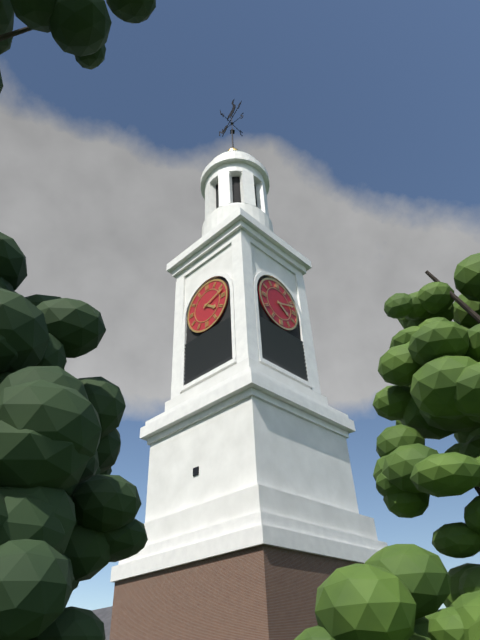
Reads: 4,12
